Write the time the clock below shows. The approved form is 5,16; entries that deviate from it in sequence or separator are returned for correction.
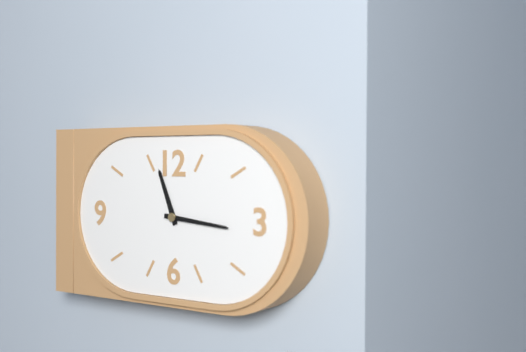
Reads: 11,16
